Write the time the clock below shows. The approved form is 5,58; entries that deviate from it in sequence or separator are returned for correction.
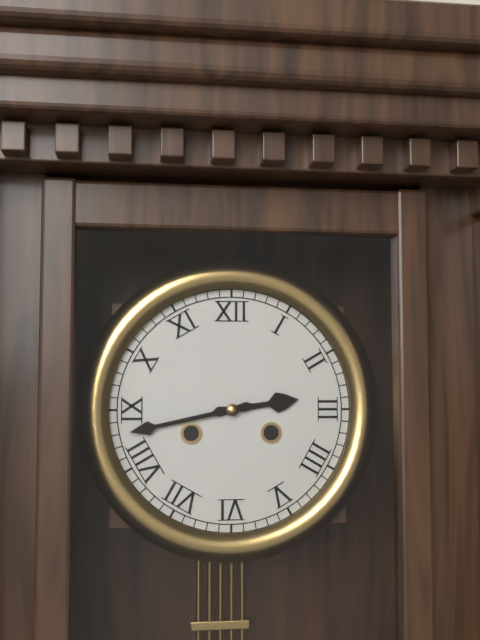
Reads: 2,43
